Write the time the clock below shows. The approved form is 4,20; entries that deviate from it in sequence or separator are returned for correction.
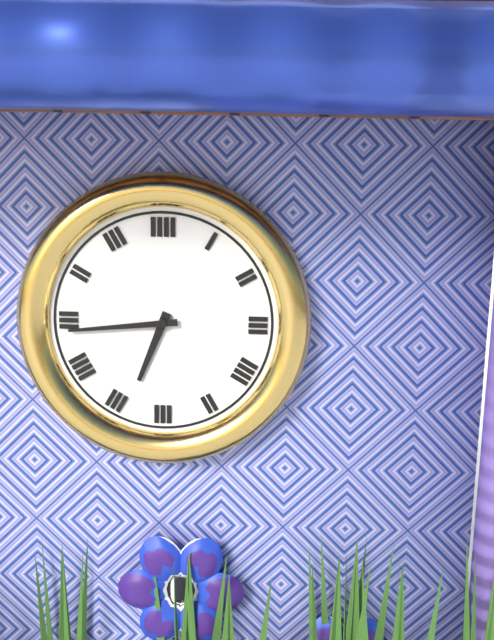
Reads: 6,44
